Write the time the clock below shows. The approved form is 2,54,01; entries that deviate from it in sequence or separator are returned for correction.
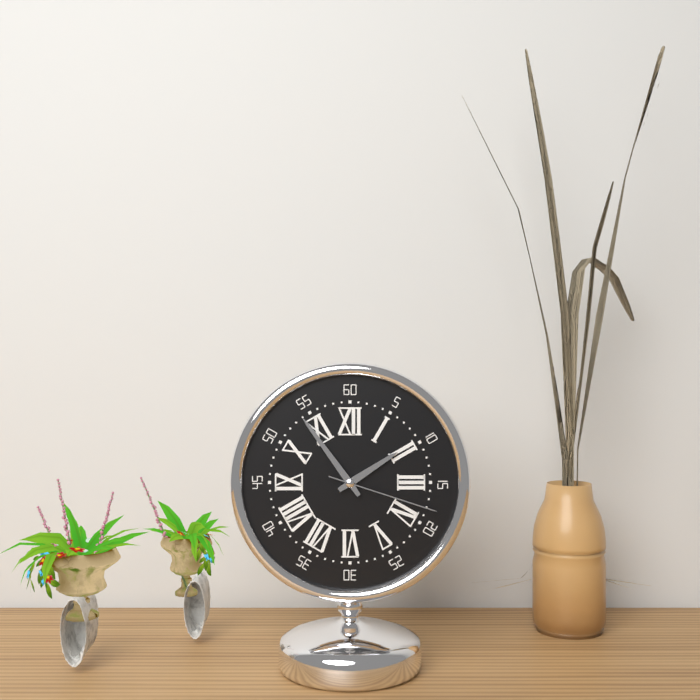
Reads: 1,54,18
